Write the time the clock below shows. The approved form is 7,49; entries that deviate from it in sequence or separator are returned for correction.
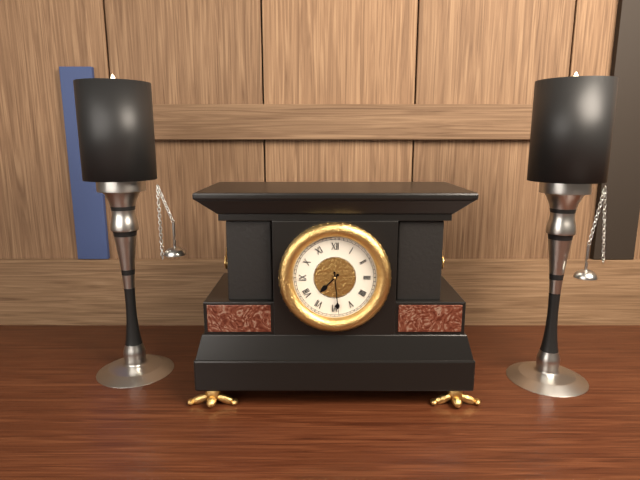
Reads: 7,29
